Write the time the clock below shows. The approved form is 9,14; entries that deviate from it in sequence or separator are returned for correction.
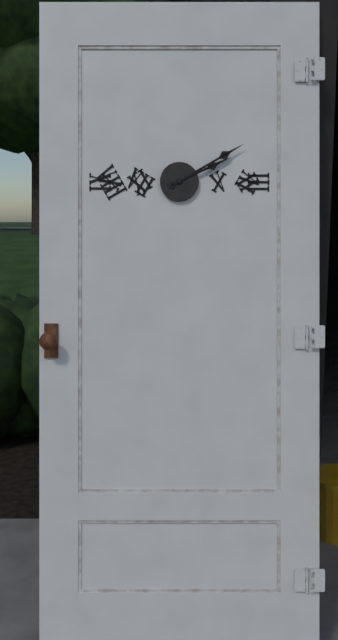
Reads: 2,10
